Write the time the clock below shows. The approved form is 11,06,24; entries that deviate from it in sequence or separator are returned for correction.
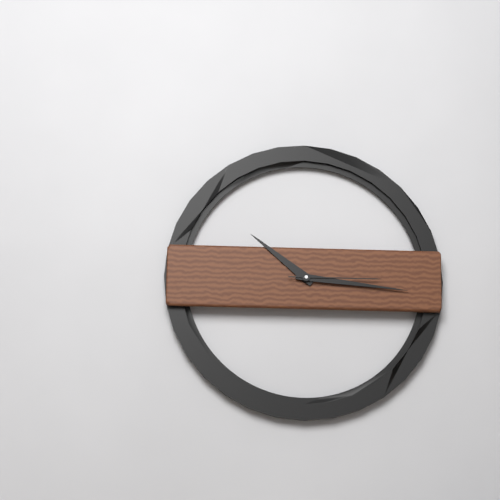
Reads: 10,16,15
